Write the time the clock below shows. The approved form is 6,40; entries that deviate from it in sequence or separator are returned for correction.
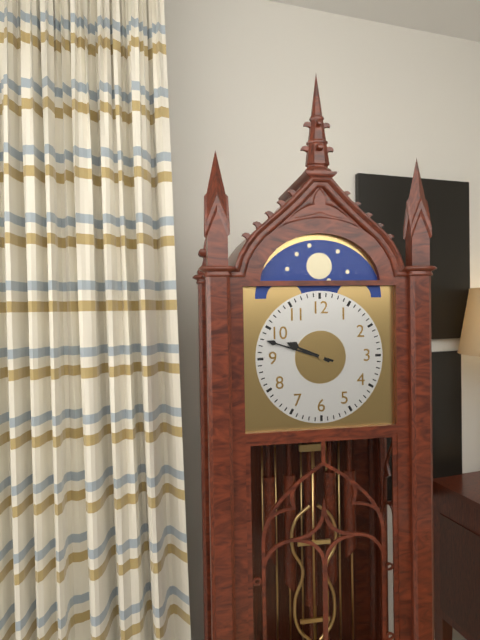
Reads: 9,48
